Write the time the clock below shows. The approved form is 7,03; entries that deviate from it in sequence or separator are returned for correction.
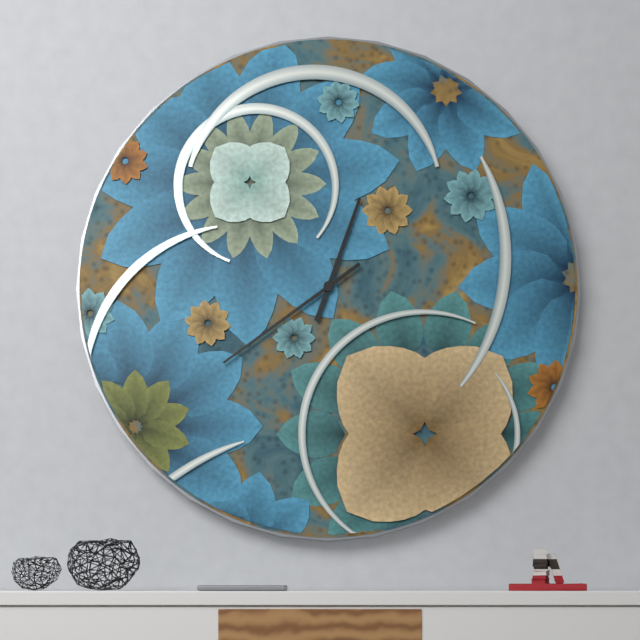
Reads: 12,39
